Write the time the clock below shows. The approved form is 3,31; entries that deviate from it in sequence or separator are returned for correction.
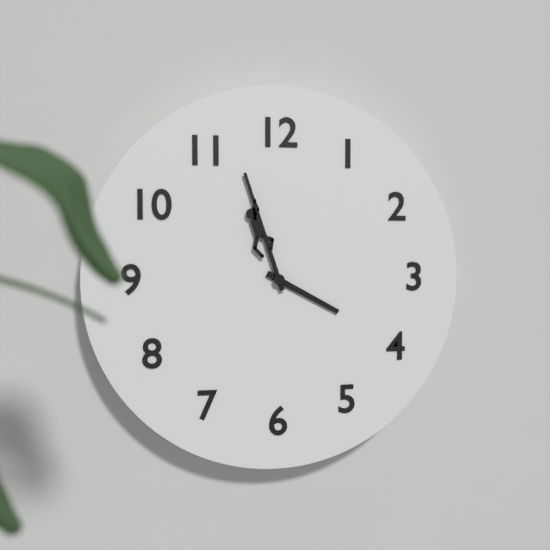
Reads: 3,57
